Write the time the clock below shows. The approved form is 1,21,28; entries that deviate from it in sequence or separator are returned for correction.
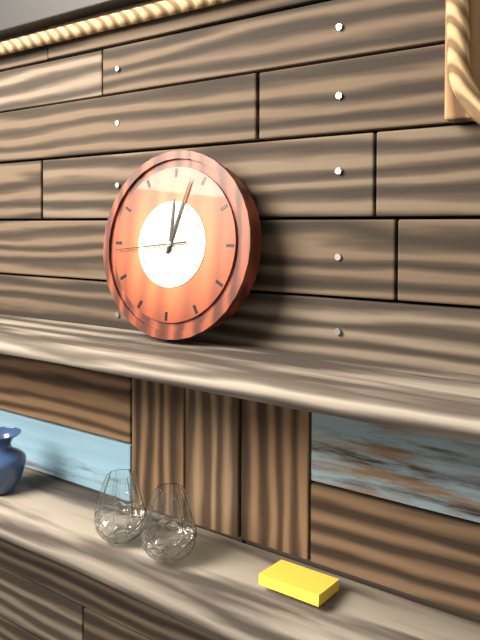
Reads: 12,03,44
